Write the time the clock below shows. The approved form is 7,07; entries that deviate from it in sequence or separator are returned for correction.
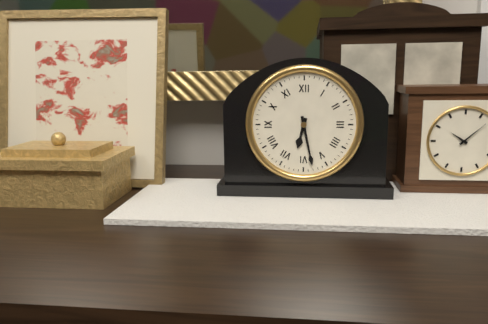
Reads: 6,28
